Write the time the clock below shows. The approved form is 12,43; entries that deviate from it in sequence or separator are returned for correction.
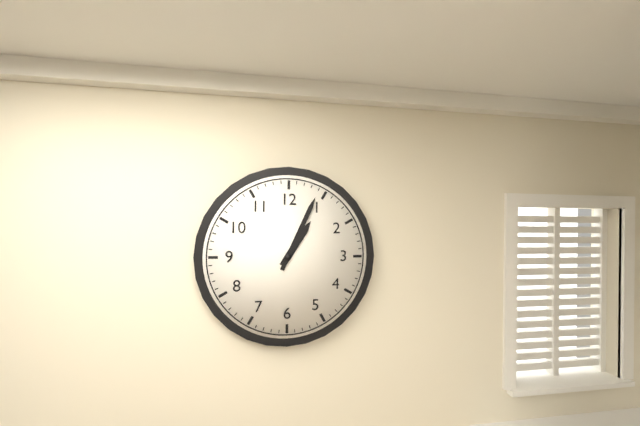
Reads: 1,04
